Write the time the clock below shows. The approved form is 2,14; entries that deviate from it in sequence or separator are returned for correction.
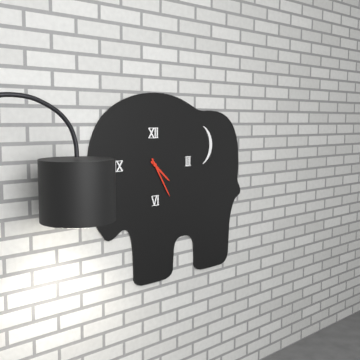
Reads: 4,25
